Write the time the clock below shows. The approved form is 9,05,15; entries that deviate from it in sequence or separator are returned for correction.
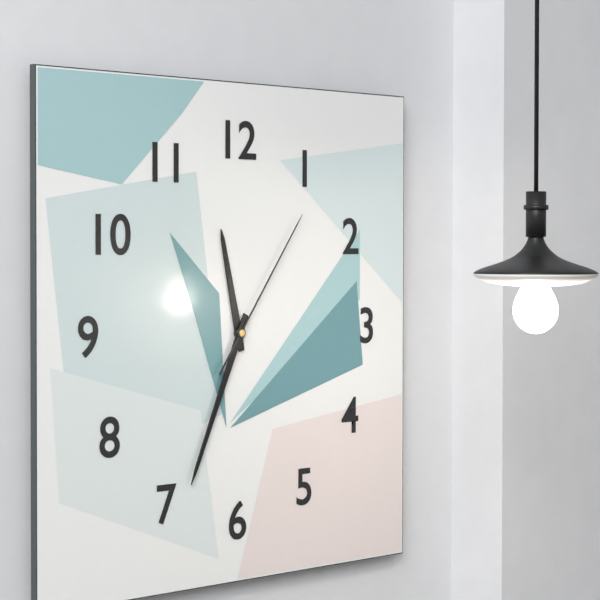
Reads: 11,34,06
